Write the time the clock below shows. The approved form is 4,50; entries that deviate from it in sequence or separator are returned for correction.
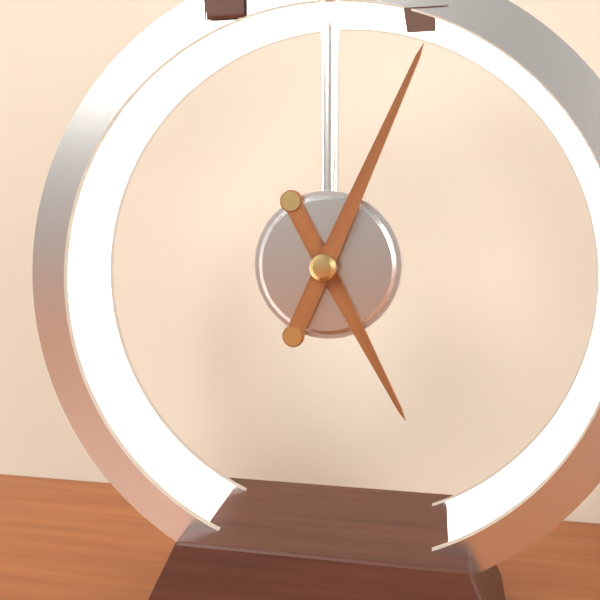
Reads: 5,04
